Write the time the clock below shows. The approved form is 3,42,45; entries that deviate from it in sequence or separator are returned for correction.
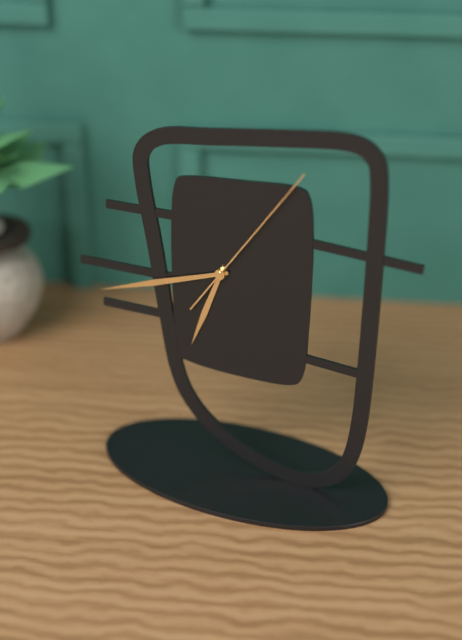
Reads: 6,42,06
